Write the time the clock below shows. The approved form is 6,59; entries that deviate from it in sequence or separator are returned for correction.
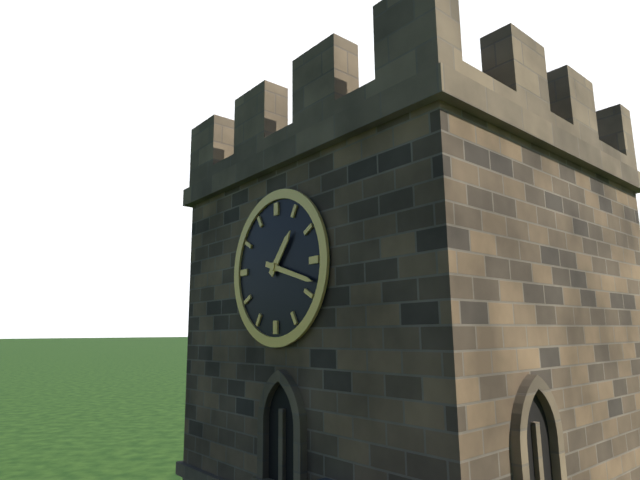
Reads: 1,18
